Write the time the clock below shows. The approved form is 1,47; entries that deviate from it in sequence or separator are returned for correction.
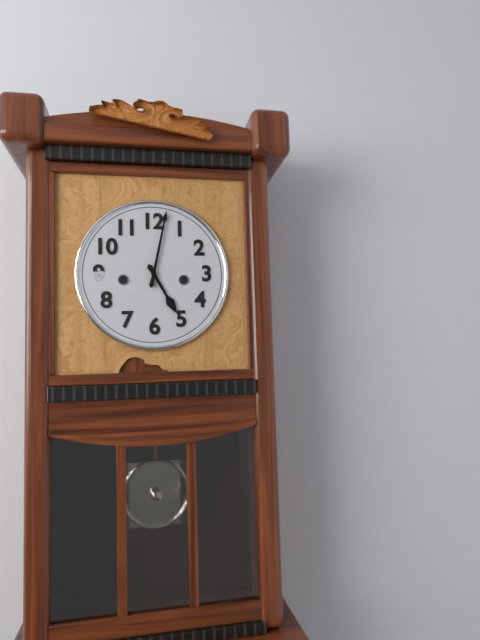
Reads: 5,02
